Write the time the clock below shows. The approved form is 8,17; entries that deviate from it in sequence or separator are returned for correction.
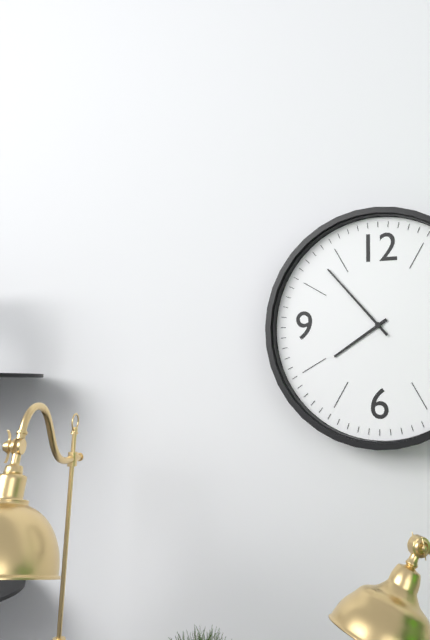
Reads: 7,53
